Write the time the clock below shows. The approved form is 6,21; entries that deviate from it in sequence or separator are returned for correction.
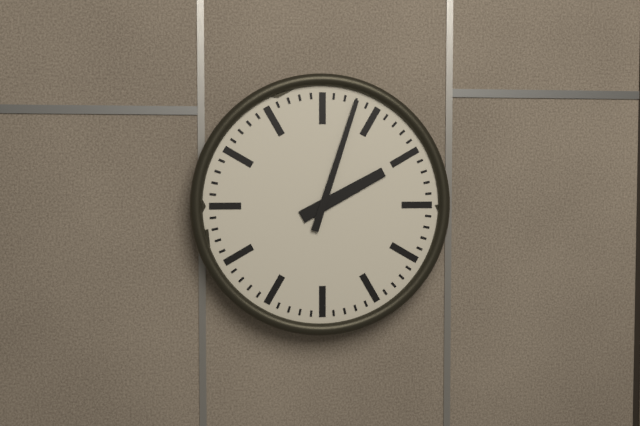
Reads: 2,03
